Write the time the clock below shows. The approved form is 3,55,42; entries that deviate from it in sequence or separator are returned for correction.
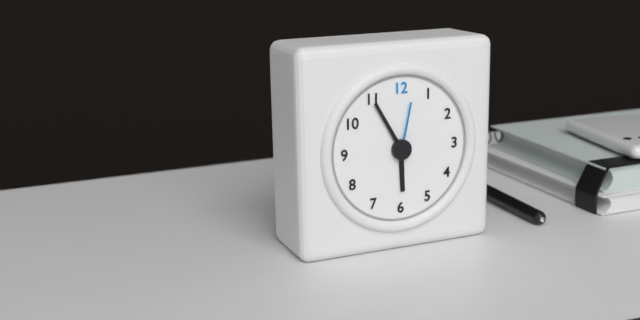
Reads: 5,55,02
